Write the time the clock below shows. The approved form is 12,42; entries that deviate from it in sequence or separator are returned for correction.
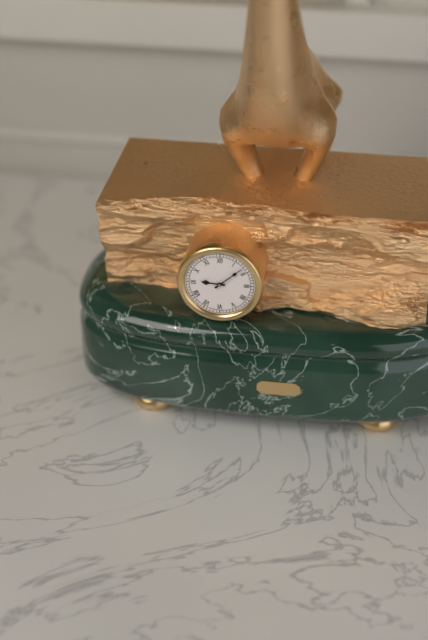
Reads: 9,08
